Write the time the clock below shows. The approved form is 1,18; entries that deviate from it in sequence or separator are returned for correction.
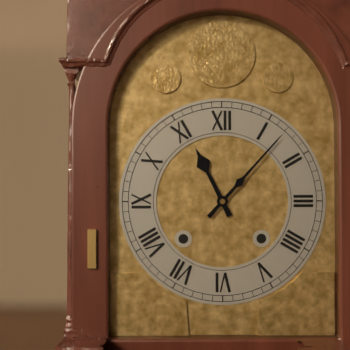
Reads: 11,07
